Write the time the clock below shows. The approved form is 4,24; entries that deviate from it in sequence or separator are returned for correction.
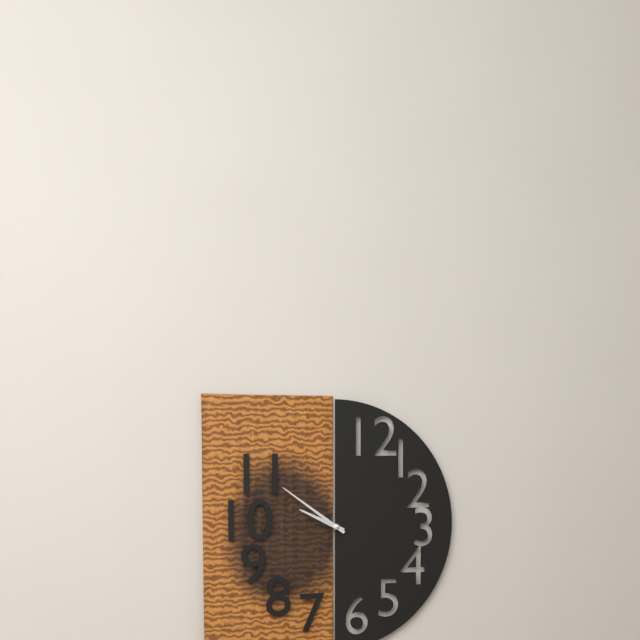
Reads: 9,51
